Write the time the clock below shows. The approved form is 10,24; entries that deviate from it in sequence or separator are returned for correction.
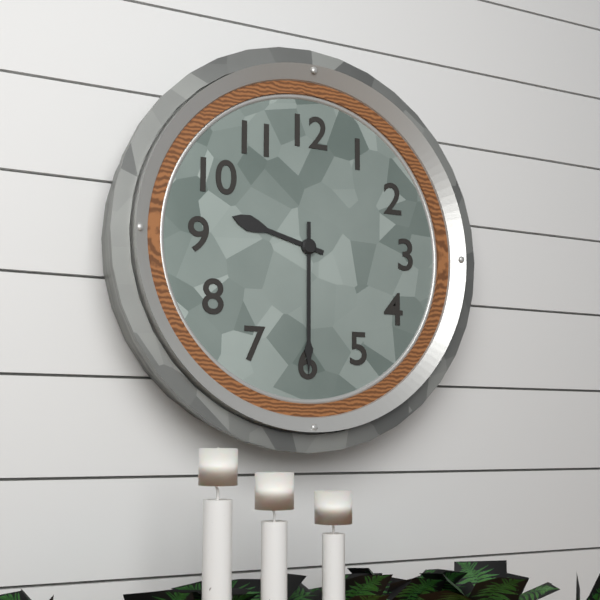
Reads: 9,30
